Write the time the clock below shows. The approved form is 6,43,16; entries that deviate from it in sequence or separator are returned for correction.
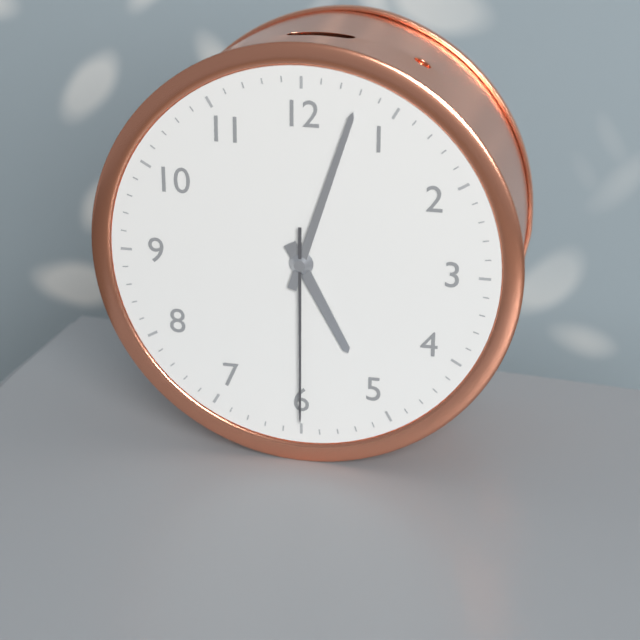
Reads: 5,03,30
